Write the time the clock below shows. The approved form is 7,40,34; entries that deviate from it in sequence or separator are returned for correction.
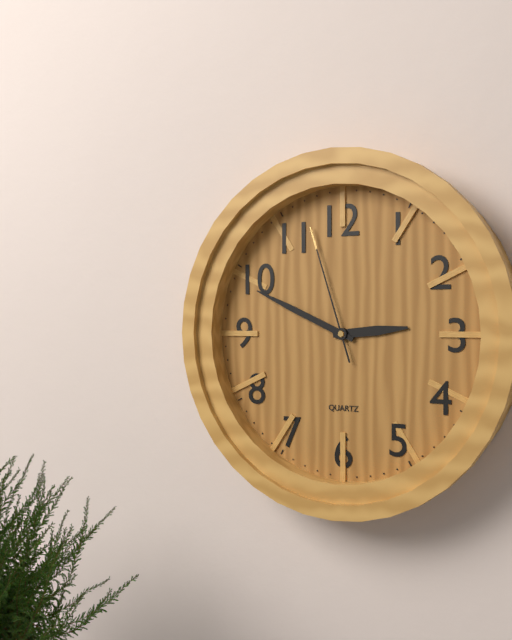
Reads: 2,49,57
